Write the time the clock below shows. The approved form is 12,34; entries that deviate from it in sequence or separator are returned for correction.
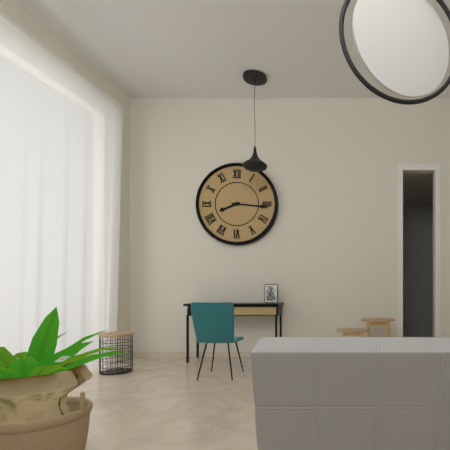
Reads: 8,16
